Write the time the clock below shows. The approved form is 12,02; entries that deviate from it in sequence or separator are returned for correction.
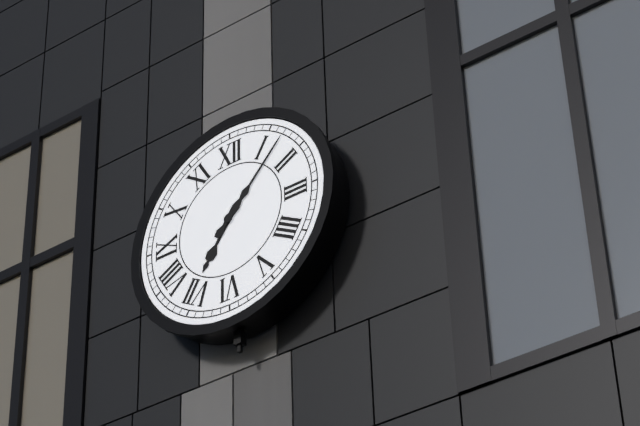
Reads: 7,07
